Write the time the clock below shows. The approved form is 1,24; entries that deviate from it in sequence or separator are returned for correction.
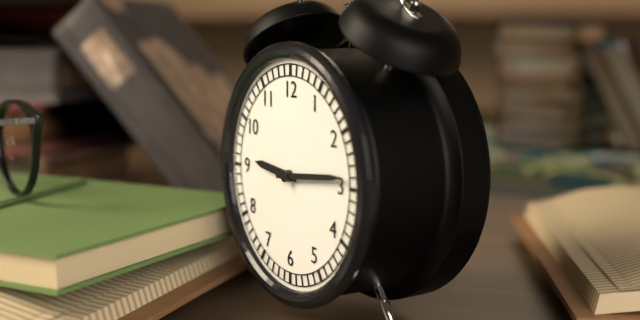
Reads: 9,14
